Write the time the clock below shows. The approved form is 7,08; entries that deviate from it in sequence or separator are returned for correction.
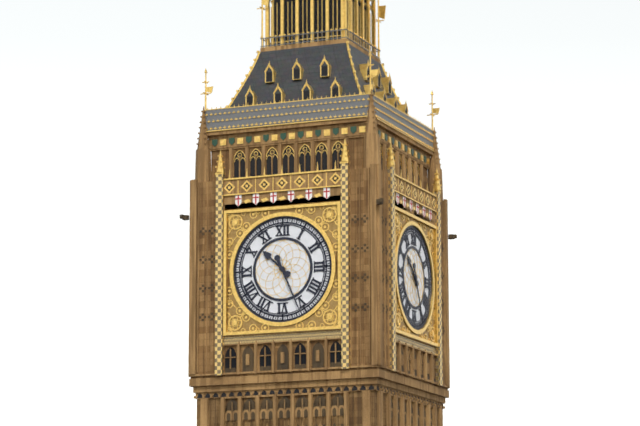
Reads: 10,26
